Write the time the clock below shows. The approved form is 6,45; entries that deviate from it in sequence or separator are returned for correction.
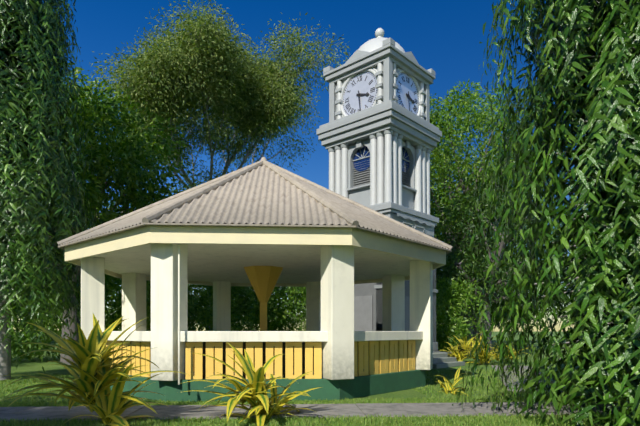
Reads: 3,29
